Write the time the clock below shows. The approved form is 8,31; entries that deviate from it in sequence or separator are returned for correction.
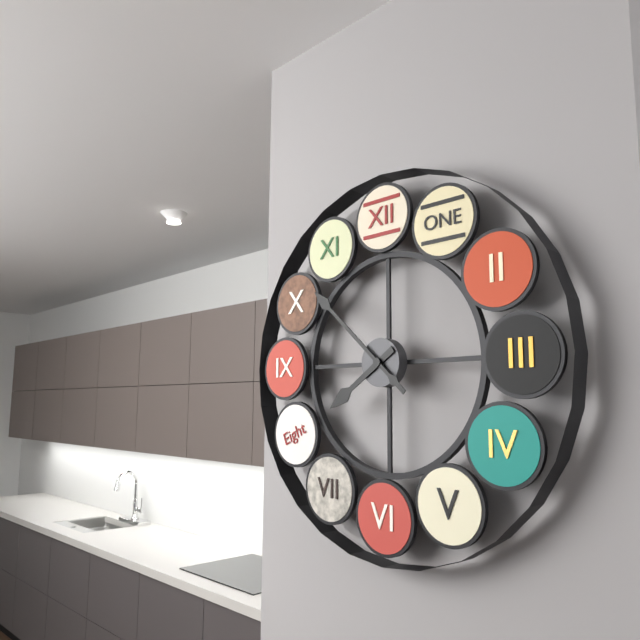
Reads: 7,52
